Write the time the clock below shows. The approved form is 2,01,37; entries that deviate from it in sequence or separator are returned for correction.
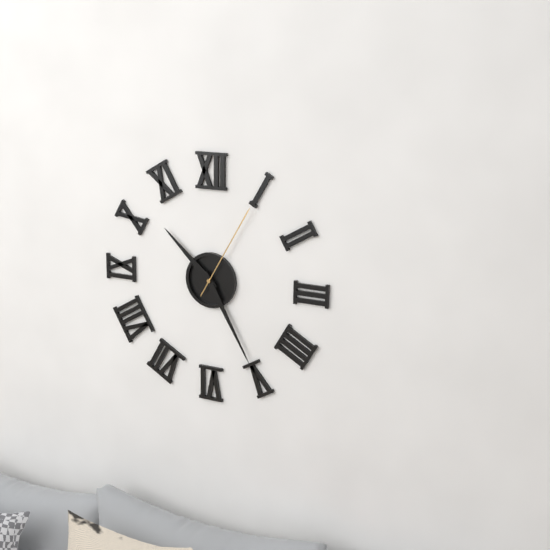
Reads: 10,25,05
